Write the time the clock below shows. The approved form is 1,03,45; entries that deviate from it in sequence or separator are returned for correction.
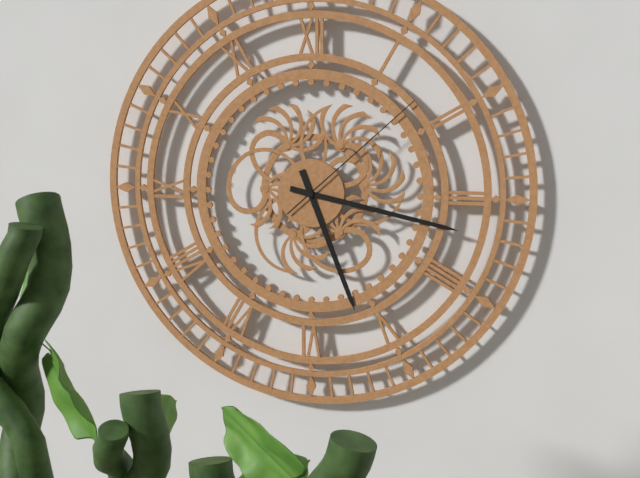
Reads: 5,17,08
